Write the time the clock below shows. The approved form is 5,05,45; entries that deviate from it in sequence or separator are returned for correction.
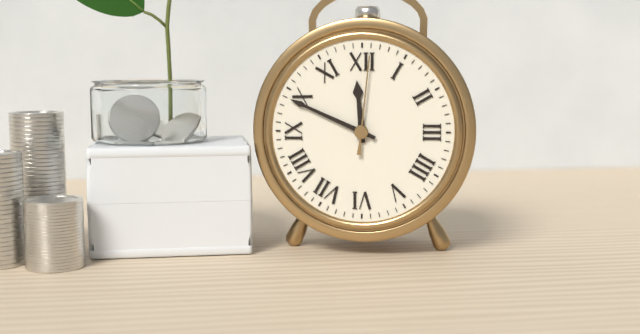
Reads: 11,49,01
